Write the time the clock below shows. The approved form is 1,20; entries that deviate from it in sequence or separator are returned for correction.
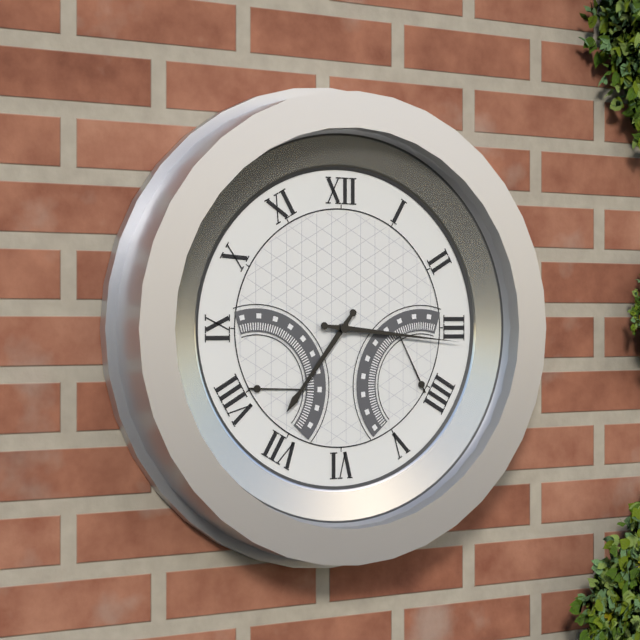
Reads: 7,16
